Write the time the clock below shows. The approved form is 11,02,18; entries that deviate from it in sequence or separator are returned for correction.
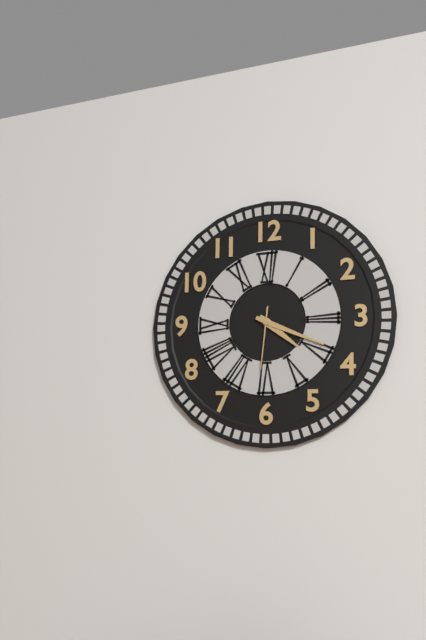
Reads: 4,19,31
